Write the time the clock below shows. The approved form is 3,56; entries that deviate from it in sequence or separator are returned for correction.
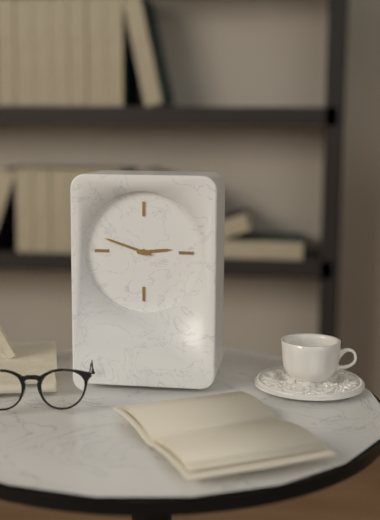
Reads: 2,48
